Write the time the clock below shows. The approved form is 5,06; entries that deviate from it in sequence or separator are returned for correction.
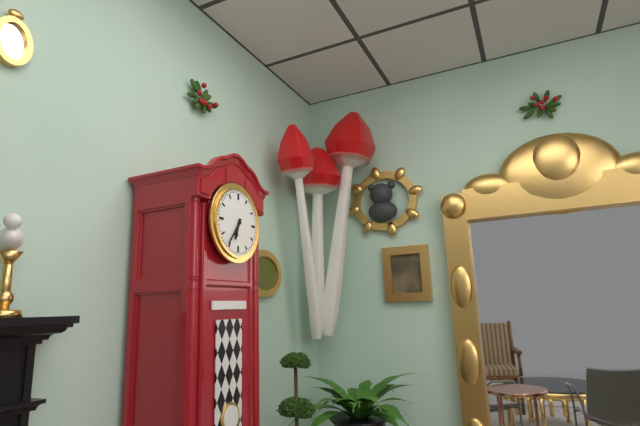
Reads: 6,36
